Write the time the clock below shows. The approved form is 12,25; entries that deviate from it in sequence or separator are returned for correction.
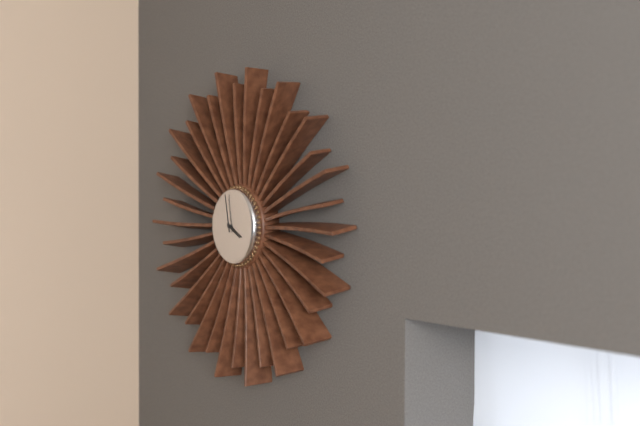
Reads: 3,58
